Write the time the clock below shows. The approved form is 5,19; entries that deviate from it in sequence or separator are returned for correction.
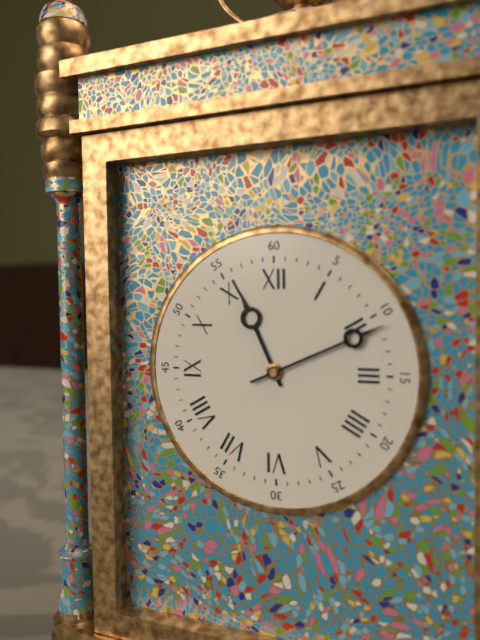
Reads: 11,11
